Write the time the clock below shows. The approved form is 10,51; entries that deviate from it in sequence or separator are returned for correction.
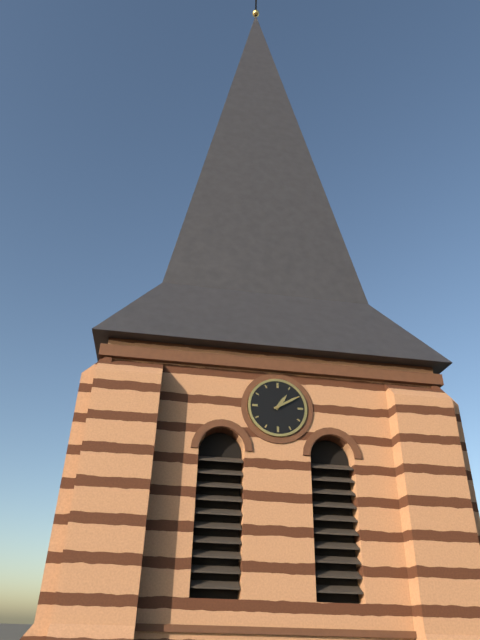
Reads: 1,10
